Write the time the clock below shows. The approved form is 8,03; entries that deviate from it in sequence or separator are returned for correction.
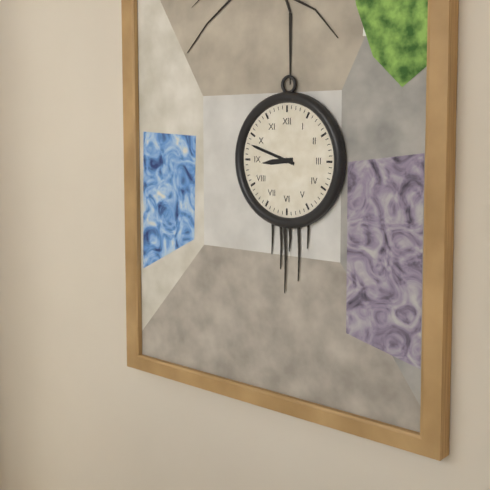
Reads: 8,48
